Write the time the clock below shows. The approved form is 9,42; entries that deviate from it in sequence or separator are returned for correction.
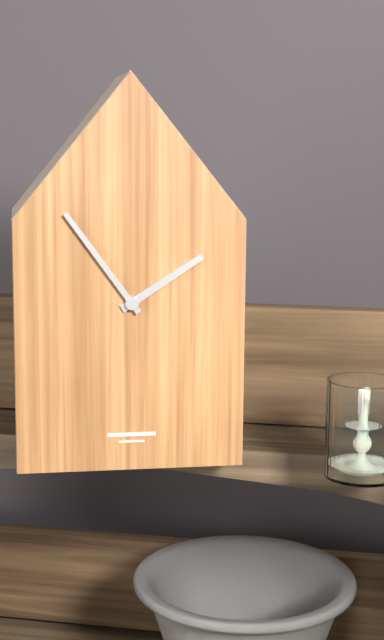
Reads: 1,54
